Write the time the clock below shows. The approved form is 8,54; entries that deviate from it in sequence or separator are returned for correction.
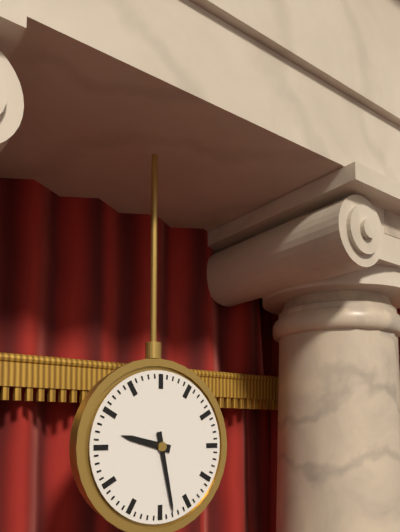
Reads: 9,28
